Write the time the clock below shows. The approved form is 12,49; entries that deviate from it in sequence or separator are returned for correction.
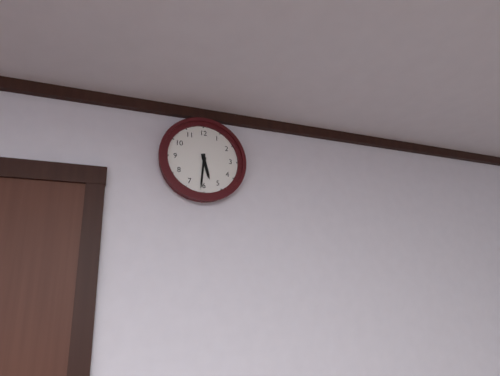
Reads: 5,31
